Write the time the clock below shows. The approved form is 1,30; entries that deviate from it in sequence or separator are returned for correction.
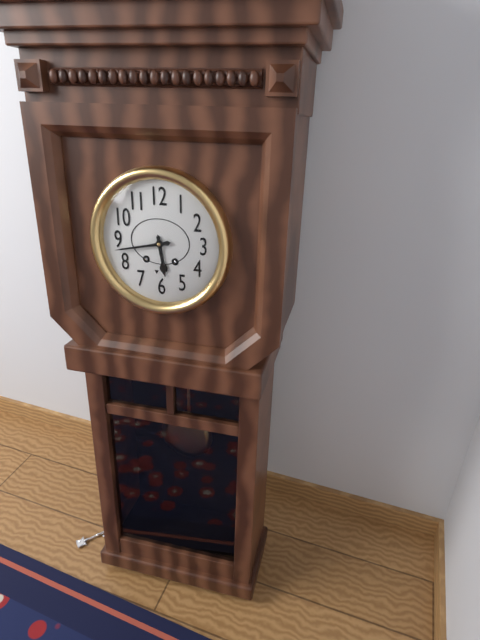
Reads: 5,43
